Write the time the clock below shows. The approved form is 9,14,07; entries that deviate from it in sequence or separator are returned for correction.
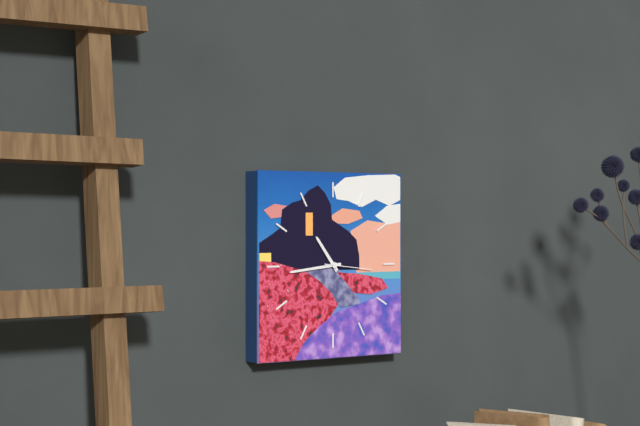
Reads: 10,44,16
